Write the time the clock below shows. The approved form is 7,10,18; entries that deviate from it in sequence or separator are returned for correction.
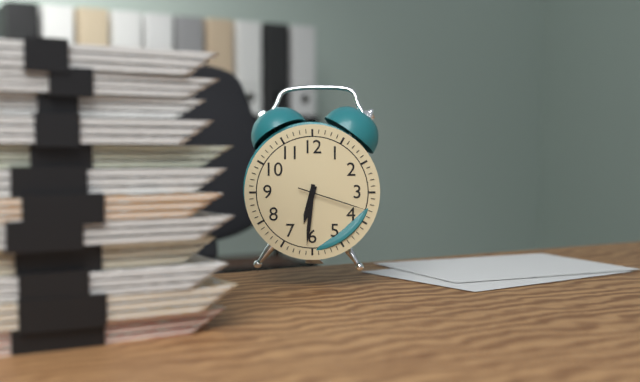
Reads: 6,31,18
